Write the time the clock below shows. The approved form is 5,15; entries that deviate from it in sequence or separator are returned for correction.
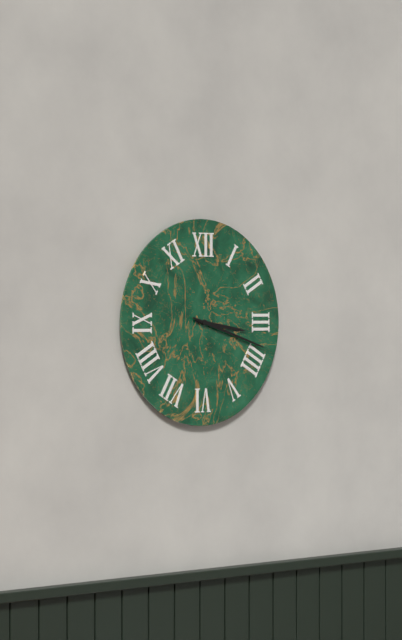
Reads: 3,18
